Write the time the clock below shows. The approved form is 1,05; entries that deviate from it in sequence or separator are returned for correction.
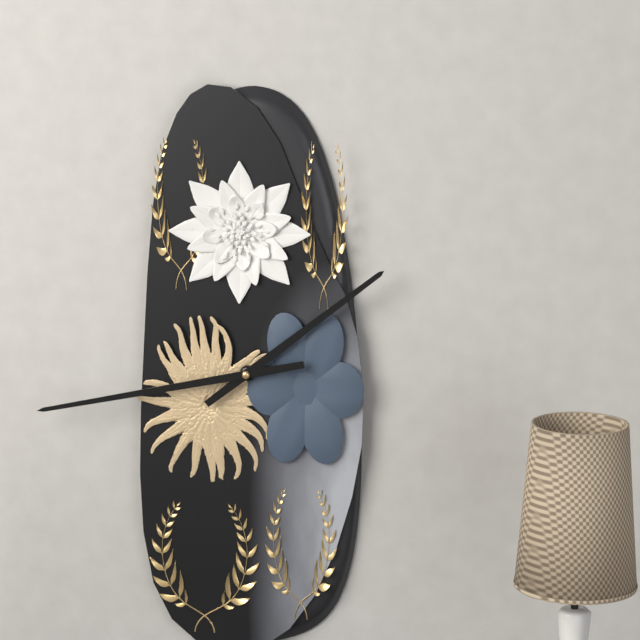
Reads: 1,43
